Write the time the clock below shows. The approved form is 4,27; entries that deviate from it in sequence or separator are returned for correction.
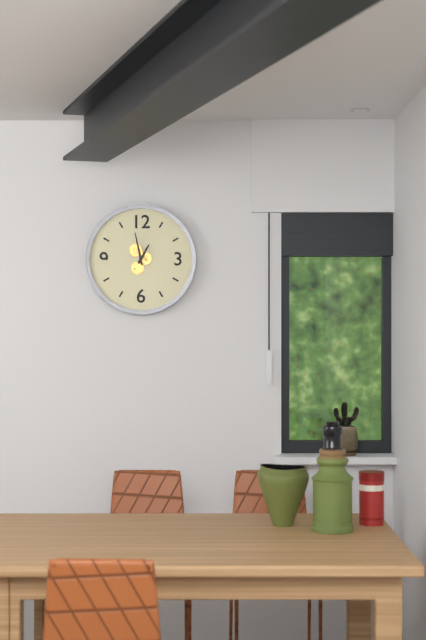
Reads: 12,58
